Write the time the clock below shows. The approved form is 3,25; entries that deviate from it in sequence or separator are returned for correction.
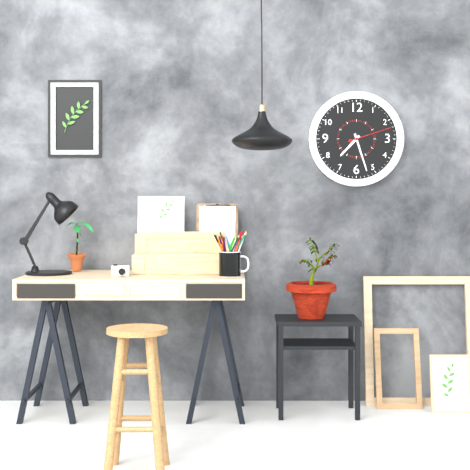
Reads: 7,27
